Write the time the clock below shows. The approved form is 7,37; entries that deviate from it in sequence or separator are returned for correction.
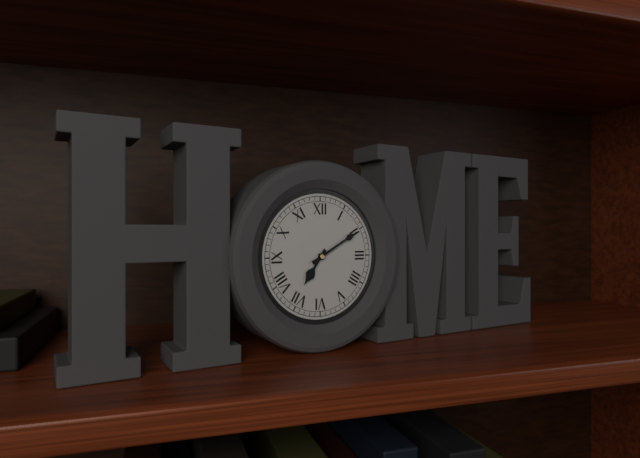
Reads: 7,10
